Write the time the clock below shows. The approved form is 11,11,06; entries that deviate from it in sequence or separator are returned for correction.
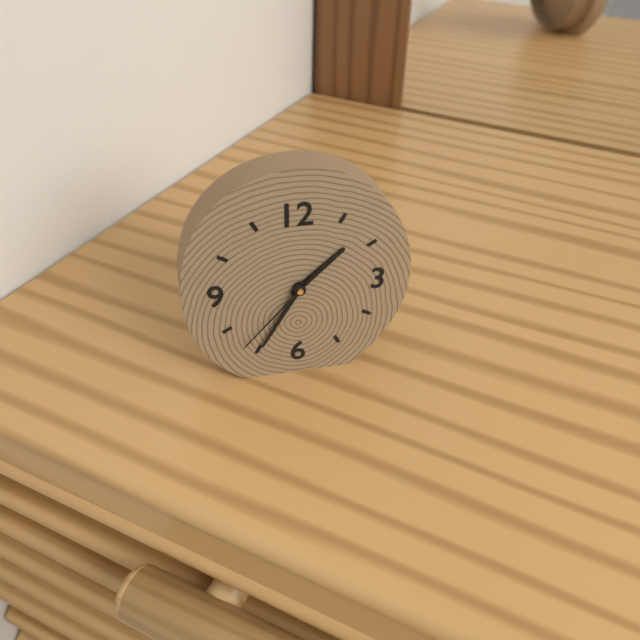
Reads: 1,35,37
